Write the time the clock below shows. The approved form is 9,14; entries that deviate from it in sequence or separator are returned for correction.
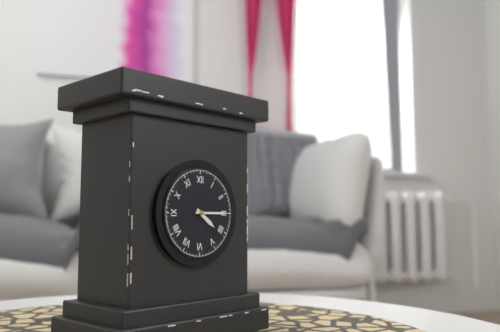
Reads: 4,15
